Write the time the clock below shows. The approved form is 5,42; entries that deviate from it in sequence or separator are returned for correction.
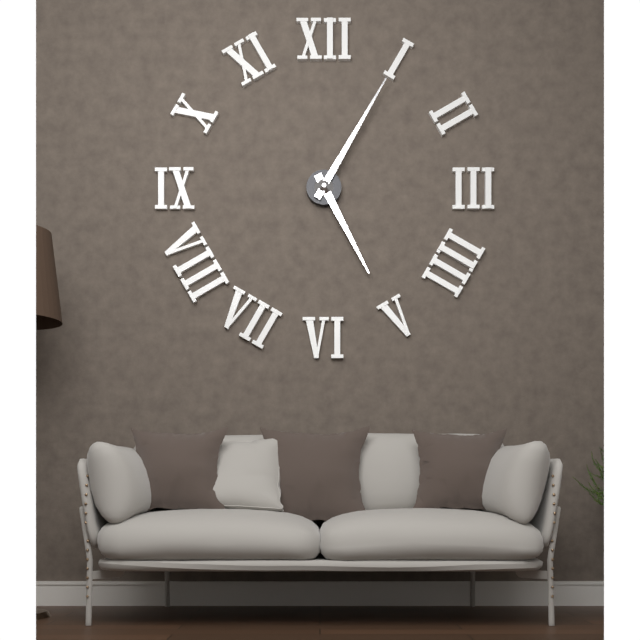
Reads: 5,05
